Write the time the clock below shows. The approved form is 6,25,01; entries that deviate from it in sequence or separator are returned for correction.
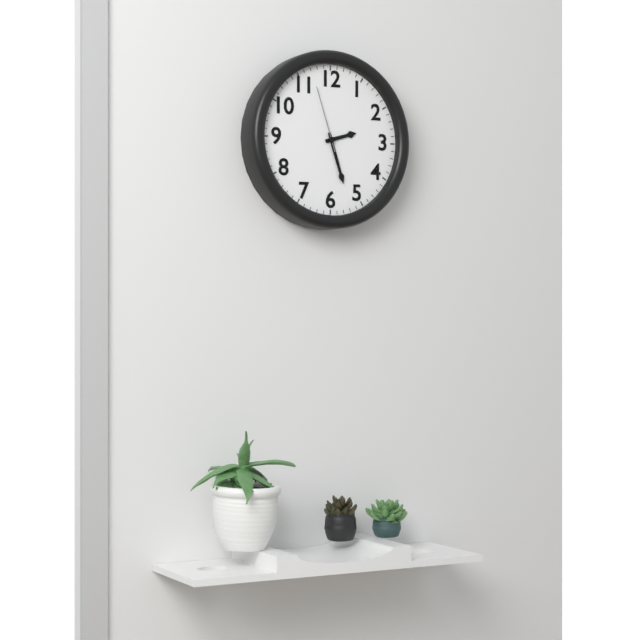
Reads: 2,27,57
